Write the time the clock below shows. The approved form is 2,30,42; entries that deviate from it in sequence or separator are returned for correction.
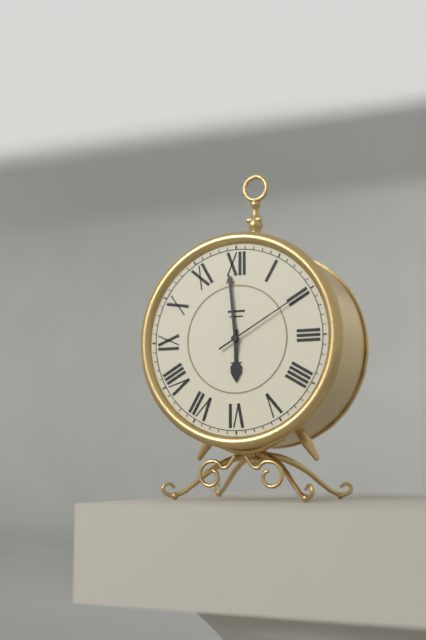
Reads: 5,59,10
